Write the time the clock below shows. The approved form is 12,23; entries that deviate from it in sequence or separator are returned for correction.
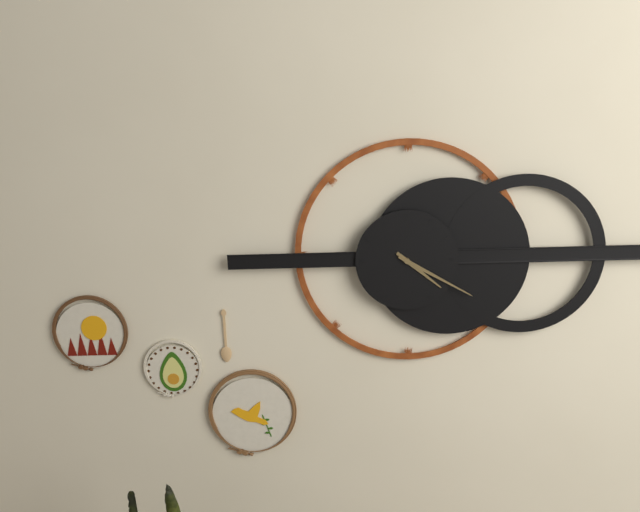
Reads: 4,20
